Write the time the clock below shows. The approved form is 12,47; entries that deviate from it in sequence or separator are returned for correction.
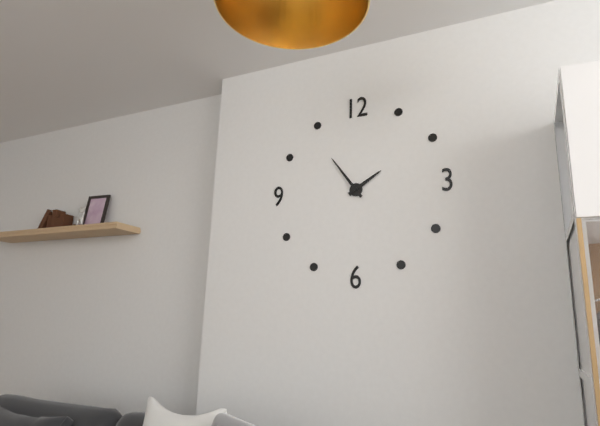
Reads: 1,54
